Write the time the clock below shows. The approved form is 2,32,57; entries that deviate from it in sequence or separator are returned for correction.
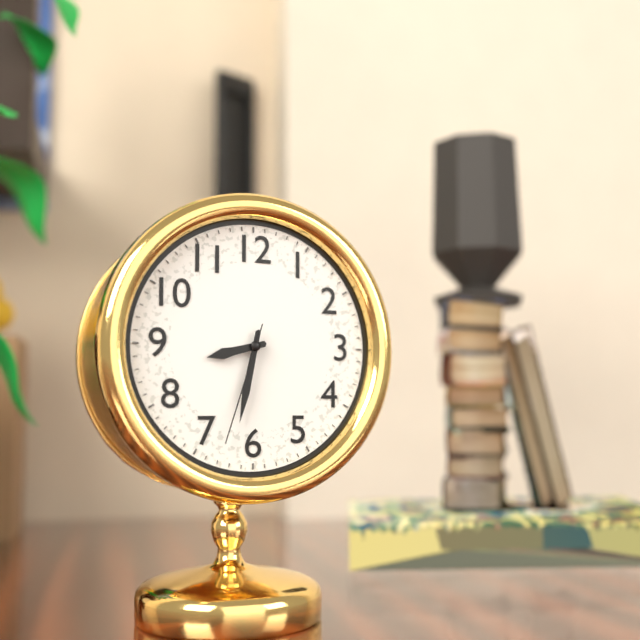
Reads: 8,32,33
